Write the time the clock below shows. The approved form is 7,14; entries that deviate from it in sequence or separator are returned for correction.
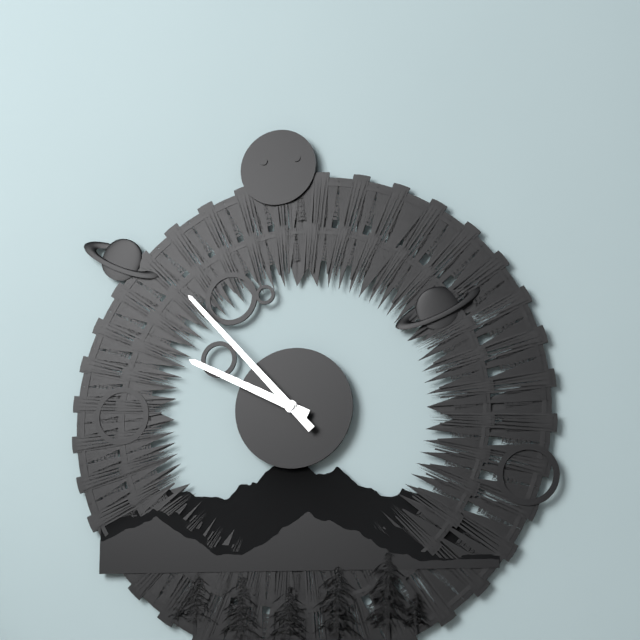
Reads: 9,53
